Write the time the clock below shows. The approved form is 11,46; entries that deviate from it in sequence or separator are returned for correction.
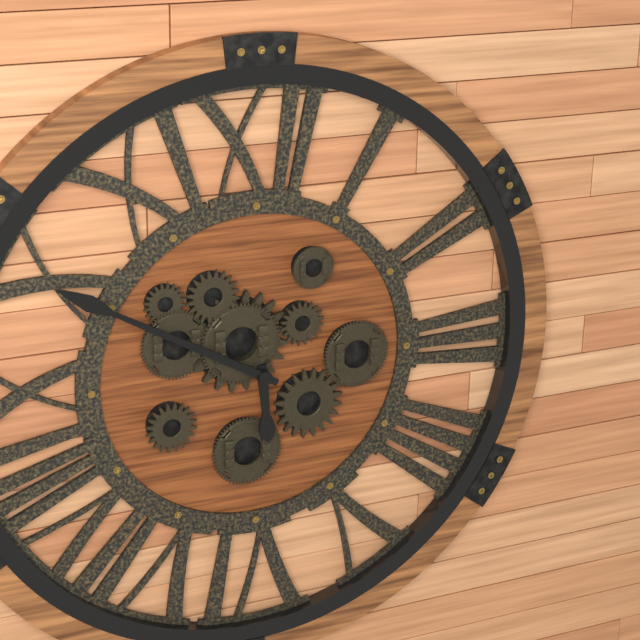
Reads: 5,50
